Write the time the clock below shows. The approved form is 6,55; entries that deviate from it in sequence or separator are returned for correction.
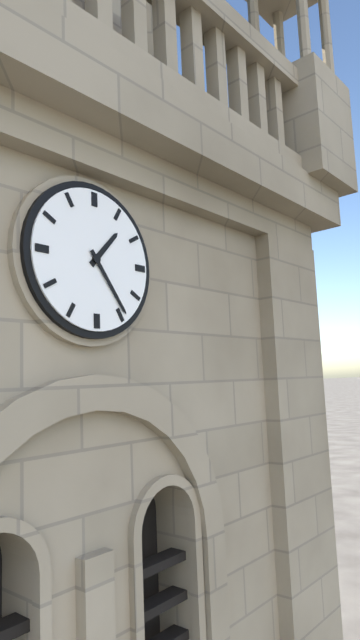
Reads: 1,24
